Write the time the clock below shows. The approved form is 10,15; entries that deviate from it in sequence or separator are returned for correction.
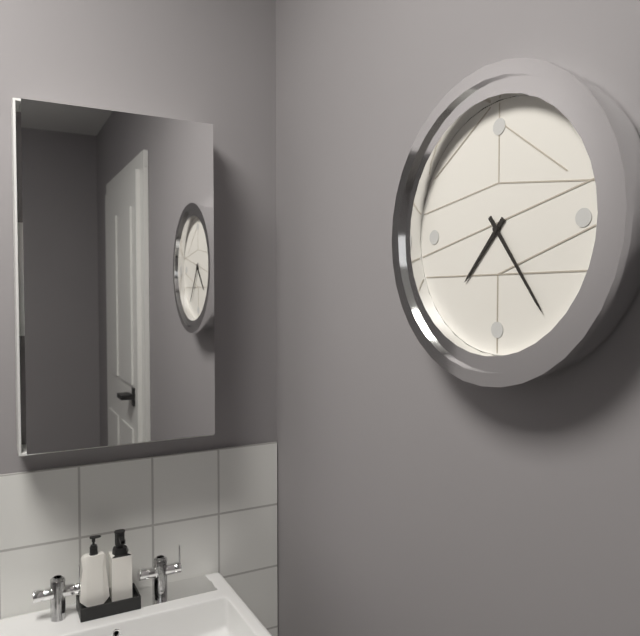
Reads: 7,24
